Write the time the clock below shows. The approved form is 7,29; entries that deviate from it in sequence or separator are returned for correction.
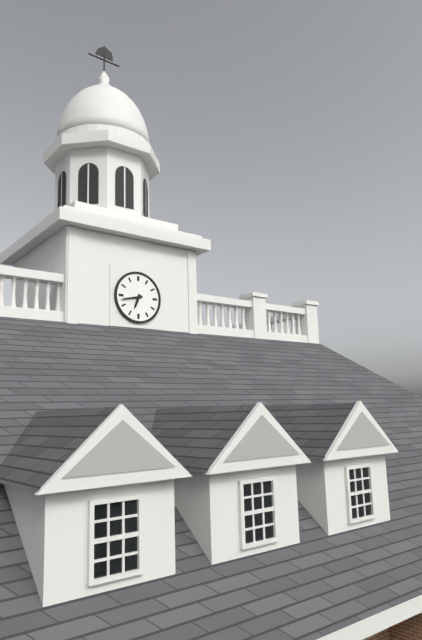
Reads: 6,43
